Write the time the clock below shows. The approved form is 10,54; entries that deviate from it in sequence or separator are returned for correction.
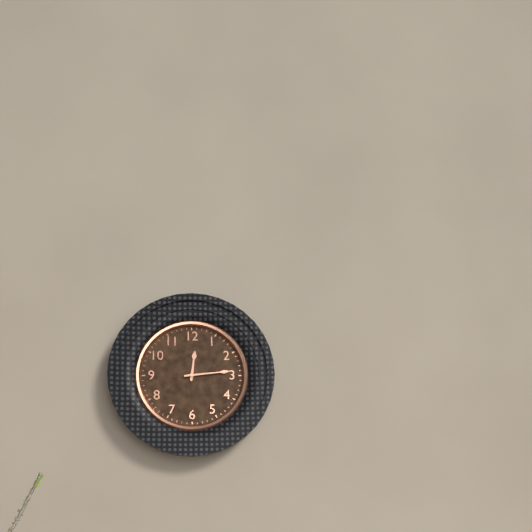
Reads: 12,14
